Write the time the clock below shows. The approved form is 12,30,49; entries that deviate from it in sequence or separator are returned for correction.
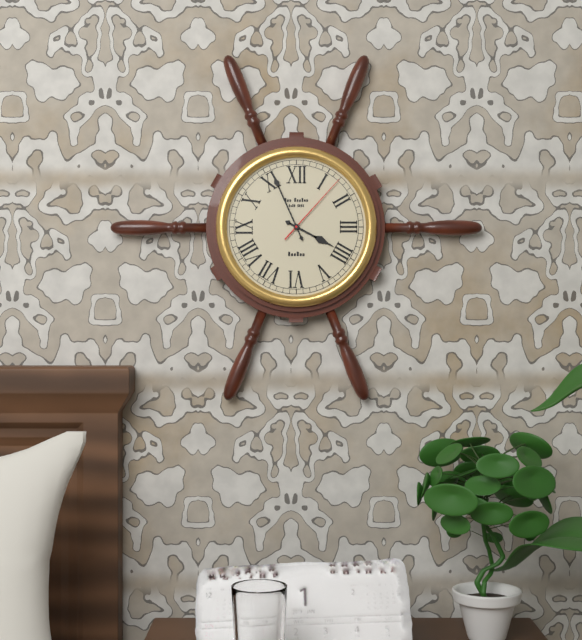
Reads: 3,56,07
